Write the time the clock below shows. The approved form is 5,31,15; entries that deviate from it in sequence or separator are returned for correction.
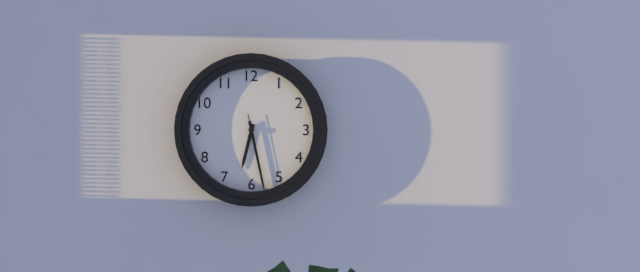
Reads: 6,28,28
